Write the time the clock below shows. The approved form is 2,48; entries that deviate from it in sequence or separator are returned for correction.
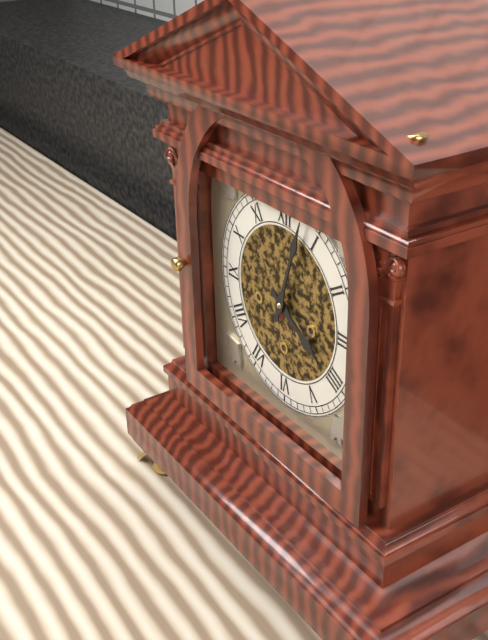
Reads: 4,03
